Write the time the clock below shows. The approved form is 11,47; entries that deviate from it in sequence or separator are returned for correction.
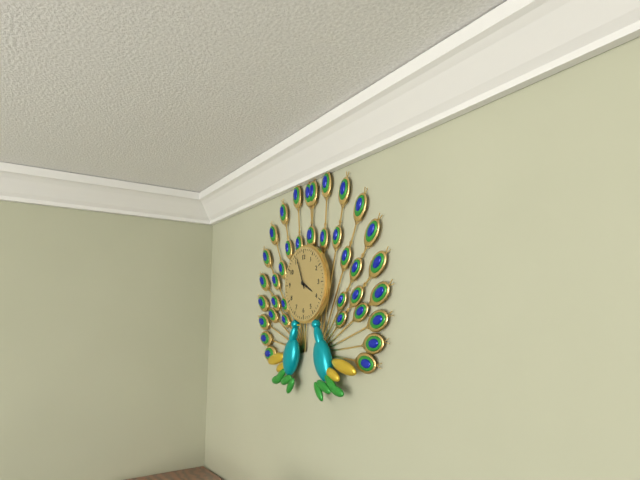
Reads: 3,56
